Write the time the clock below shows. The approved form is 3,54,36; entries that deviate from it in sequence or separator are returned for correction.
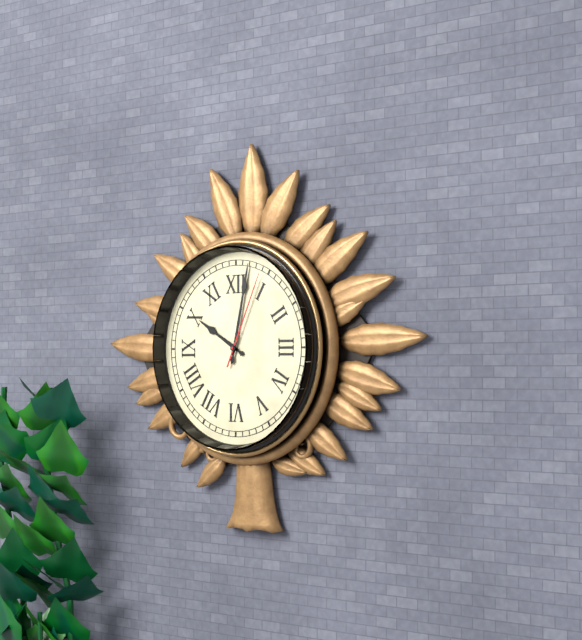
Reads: 10,02,04
